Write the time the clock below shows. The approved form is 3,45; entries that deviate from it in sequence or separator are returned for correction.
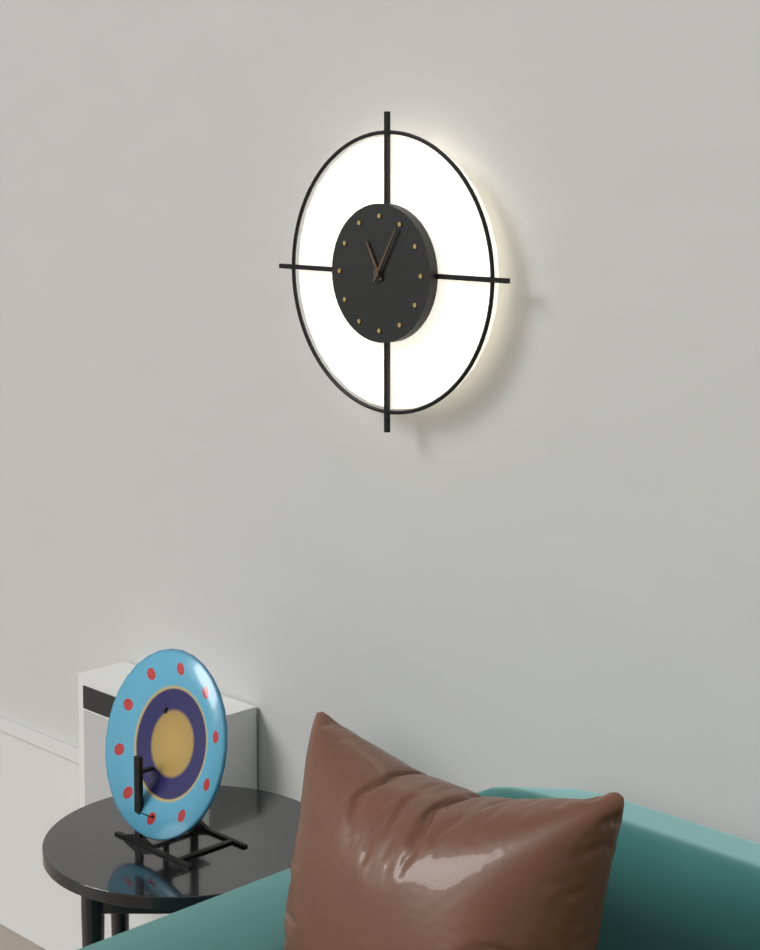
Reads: 11,05
